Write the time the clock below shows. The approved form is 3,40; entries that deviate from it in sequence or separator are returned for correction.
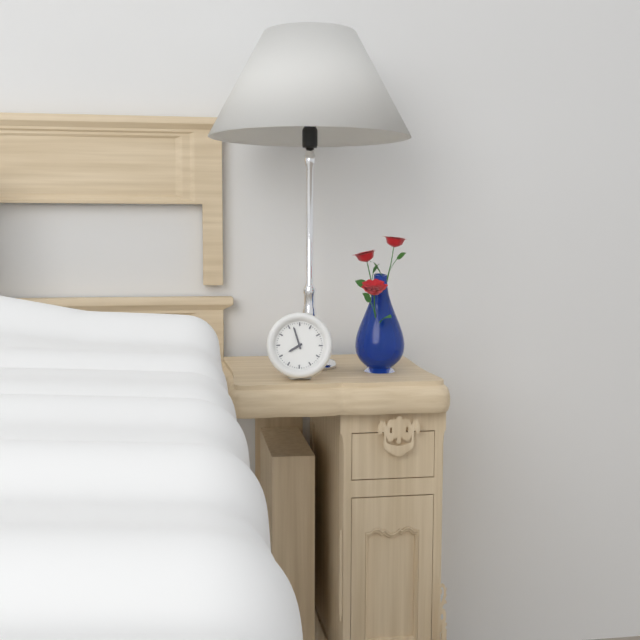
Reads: 7,57
